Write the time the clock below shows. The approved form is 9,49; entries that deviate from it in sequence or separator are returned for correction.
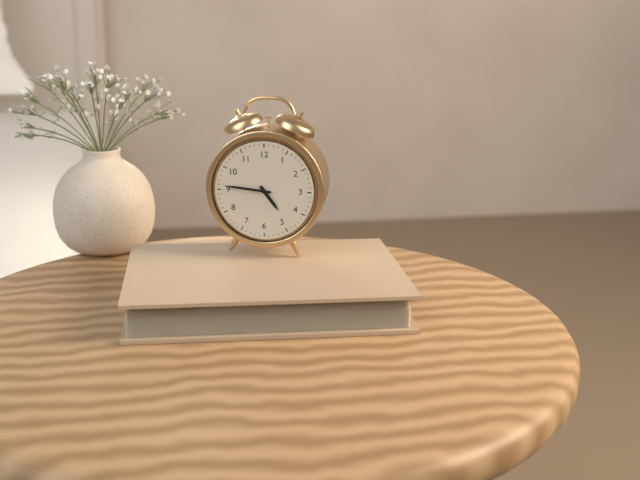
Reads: 4,46
